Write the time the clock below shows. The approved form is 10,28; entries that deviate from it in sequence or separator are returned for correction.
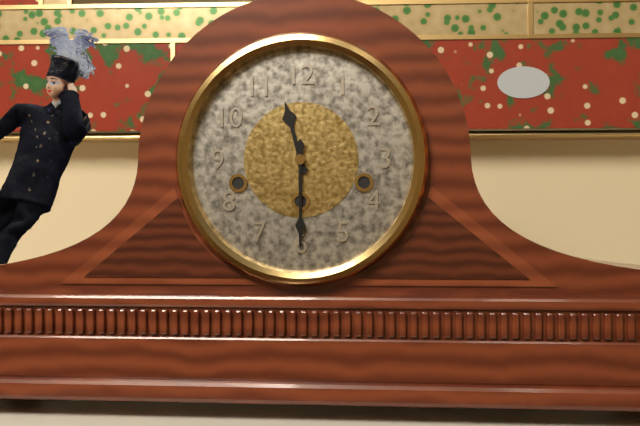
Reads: 11,30
